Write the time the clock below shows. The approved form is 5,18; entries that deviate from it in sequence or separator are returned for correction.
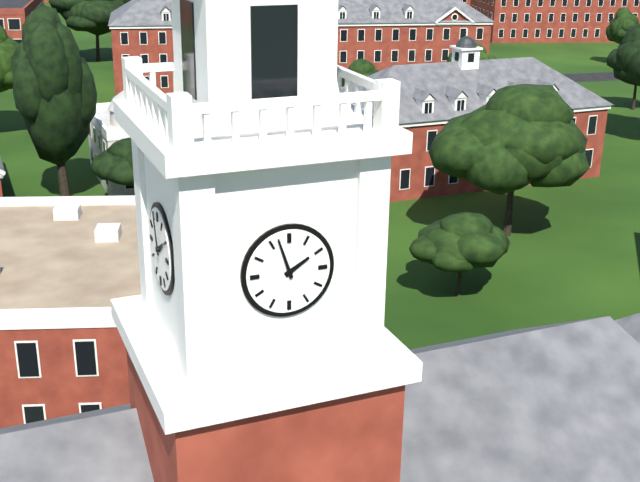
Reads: 1,57
